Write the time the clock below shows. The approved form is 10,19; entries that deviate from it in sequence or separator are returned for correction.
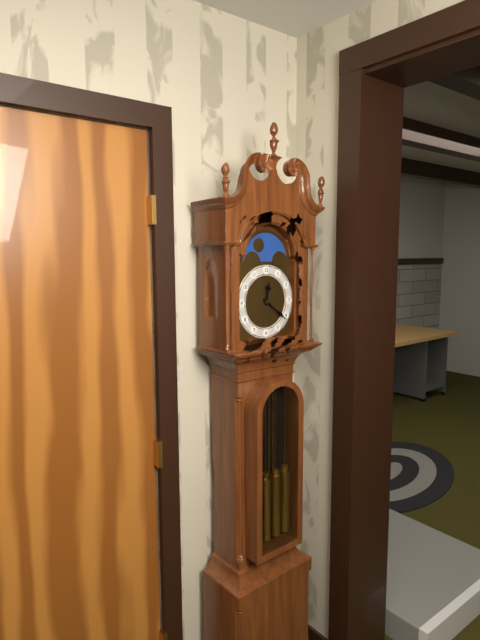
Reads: 12,21
